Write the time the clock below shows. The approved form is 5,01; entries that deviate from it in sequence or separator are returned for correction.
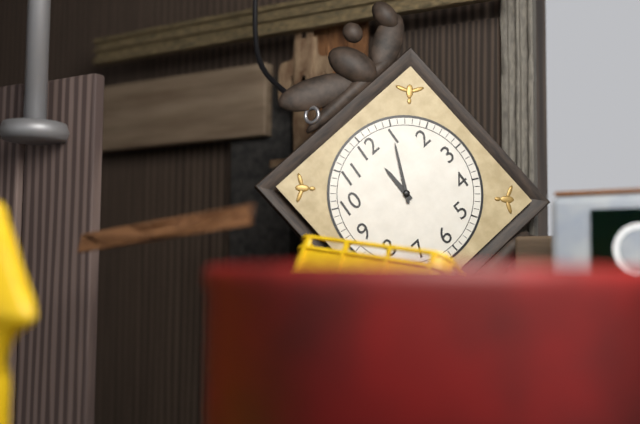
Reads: 12,05
